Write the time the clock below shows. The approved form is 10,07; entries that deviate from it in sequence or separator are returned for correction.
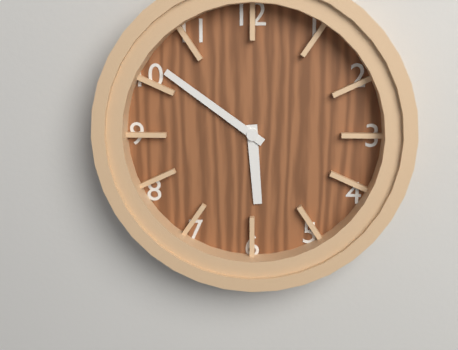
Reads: 5,51
